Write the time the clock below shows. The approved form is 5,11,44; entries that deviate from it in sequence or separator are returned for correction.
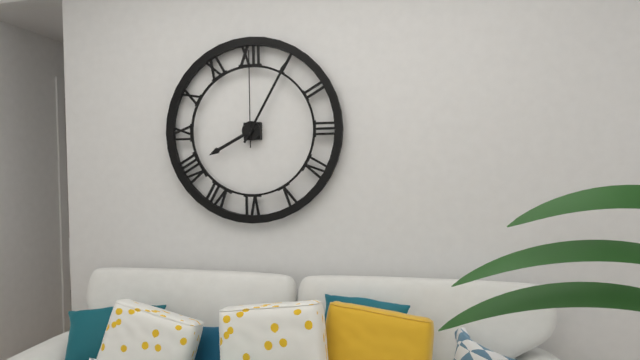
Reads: 8,05,00
